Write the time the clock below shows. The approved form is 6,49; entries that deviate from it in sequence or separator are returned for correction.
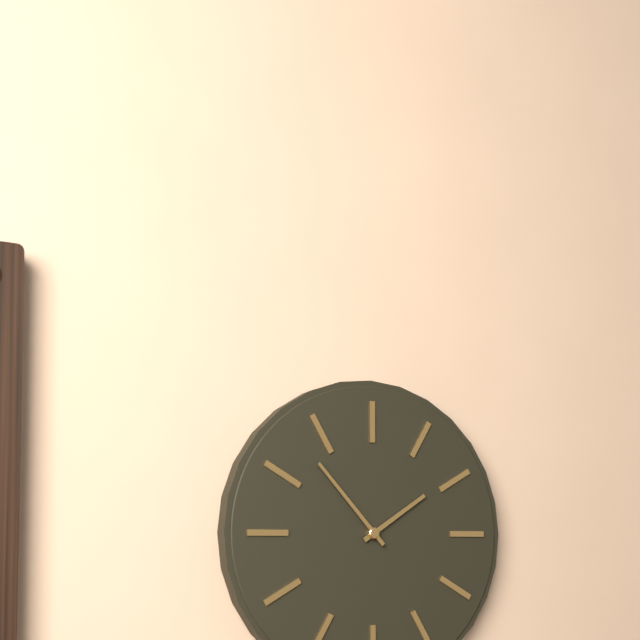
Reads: 1,53
